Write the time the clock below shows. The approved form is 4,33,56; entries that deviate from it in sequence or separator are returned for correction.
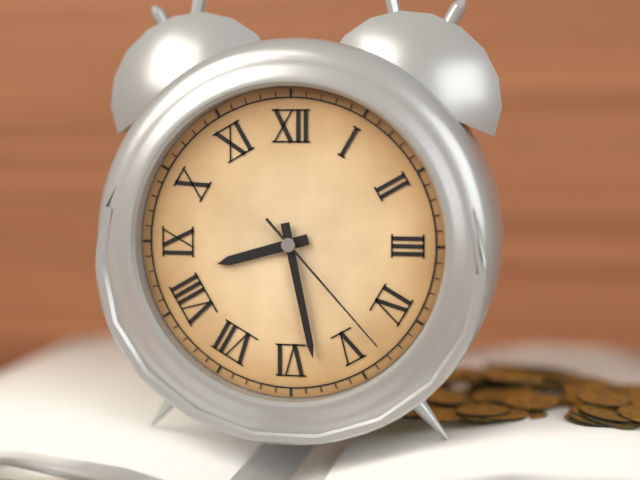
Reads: 8,28,23
